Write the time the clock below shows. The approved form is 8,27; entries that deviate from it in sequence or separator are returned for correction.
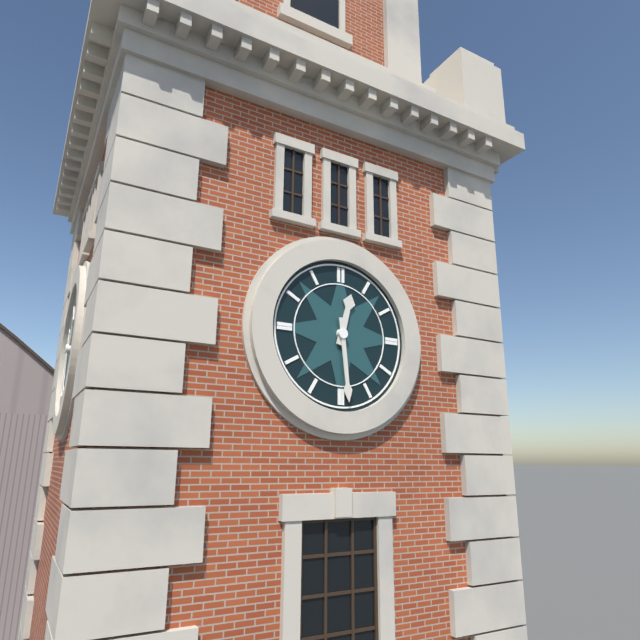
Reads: 12,29
